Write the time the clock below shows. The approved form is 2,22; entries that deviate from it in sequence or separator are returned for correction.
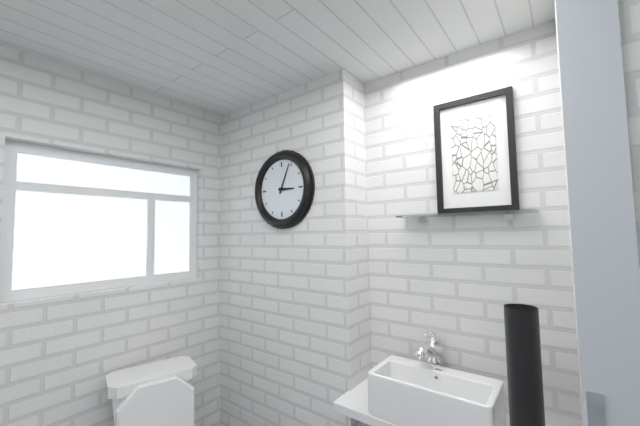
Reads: 3,04
